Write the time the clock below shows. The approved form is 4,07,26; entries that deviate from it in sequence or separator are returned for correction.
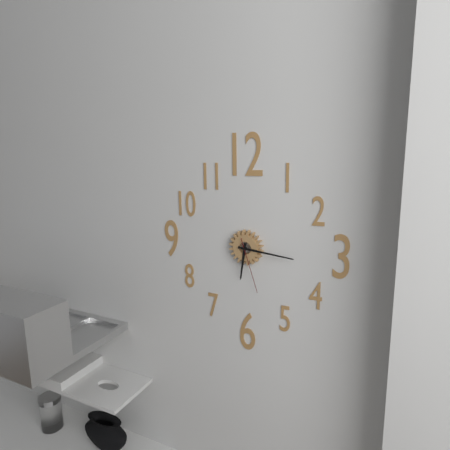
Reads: 6,16,27
